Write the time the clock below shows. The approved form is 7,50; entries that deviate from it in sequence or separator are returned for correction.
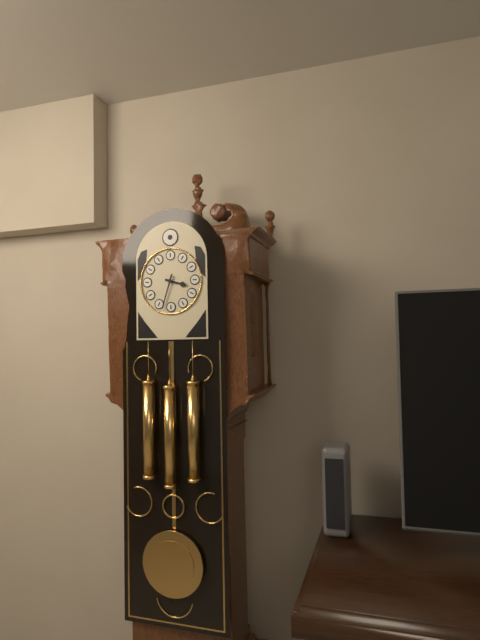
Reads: 3,33
